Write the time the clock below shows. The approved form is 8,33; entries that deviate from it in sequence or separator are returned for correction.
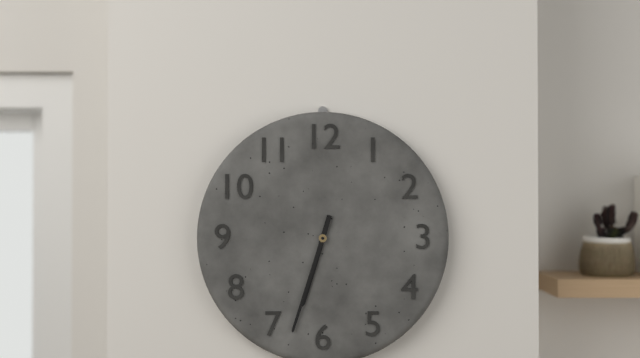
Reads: 6,33
